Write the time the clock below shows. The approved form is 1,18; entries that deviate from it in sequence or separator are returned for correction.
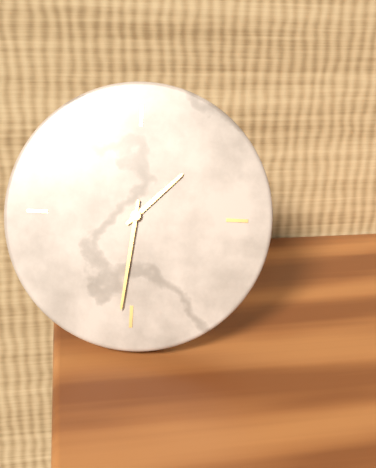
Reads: 1,31
